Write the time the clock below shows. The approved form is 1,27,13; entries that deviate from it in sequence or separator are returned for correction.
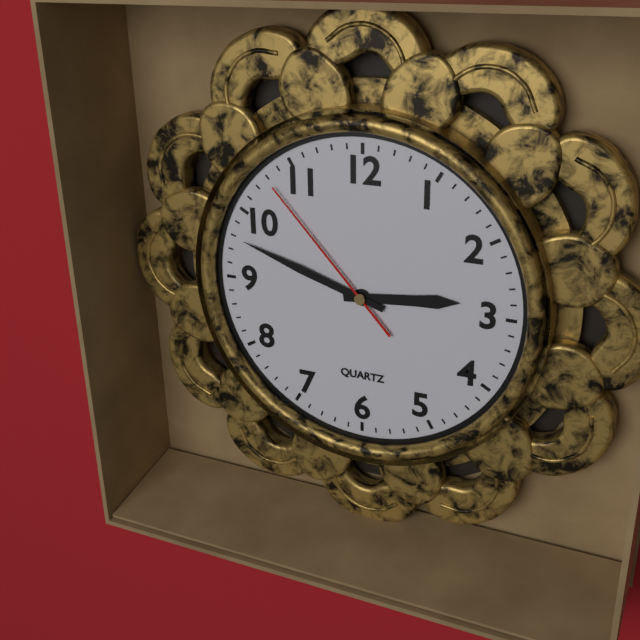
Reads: 2,48,53
